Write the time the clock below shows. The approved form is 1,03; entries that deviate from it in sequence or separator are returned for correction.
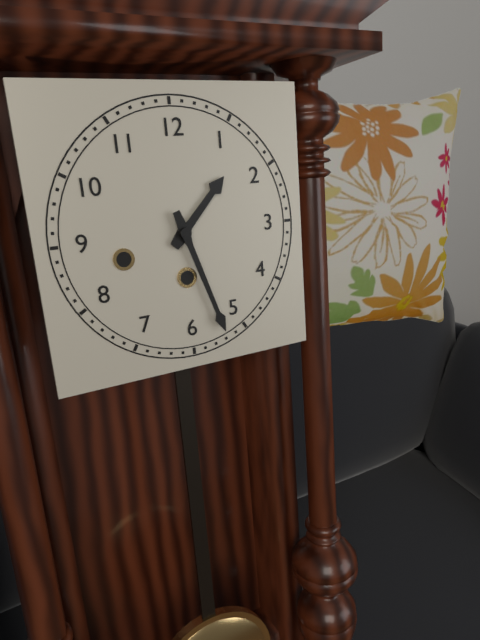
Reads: 1,27
